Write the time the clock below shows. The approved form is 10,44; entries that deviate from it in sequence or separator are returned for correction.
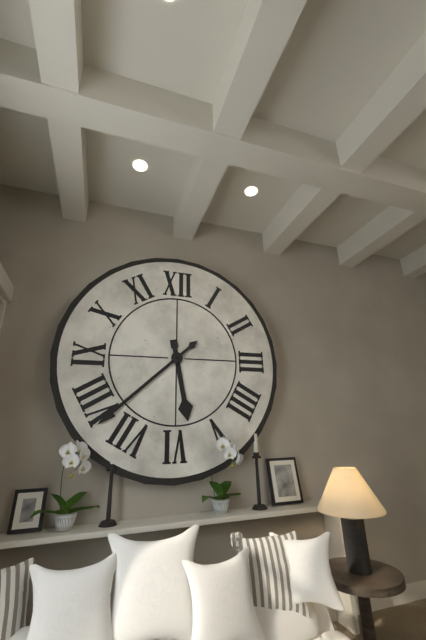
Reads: 5,38
